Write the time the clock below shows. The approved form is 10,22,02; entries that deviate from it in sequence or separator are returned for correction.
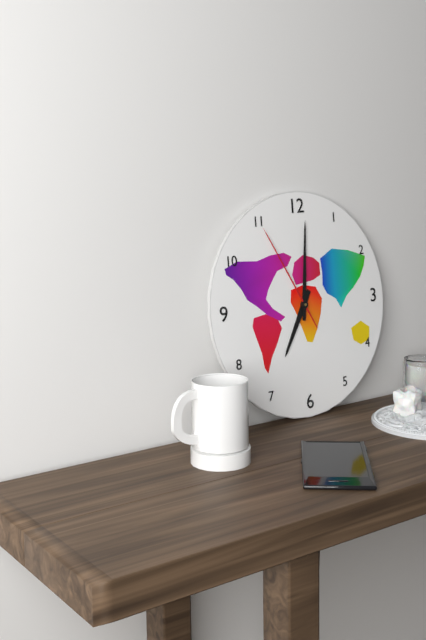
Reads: 7,01,55
